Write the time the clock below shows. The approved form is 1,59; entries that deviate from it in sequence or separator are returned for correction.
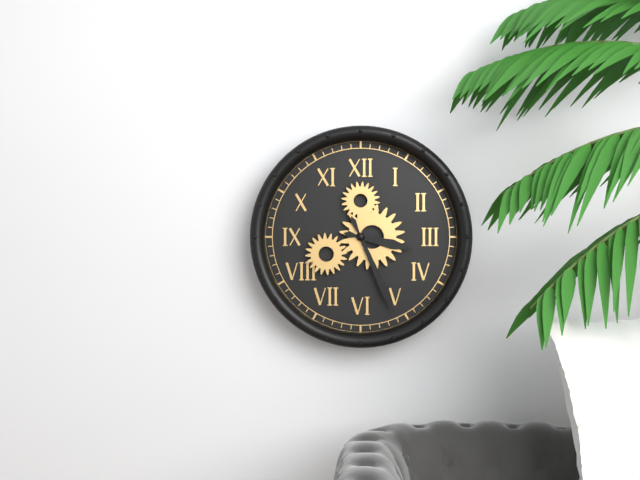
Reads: 3,26
